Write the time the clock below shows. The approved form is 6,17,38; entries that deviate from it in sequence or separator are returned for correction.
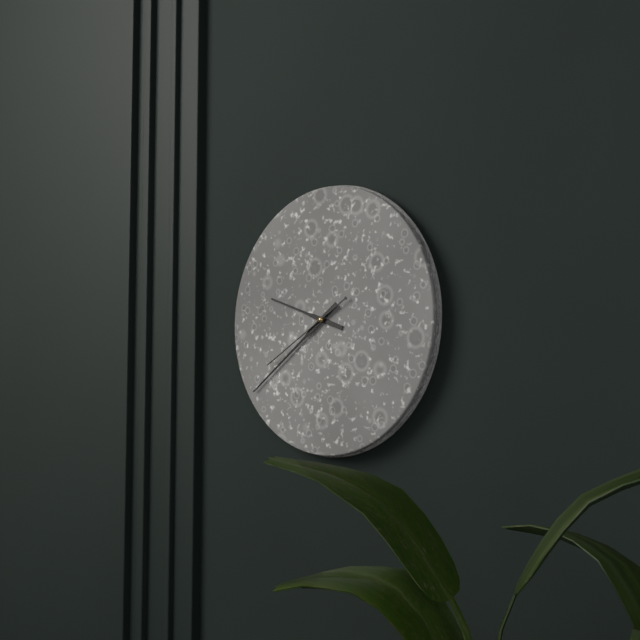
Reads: 9,39,40
